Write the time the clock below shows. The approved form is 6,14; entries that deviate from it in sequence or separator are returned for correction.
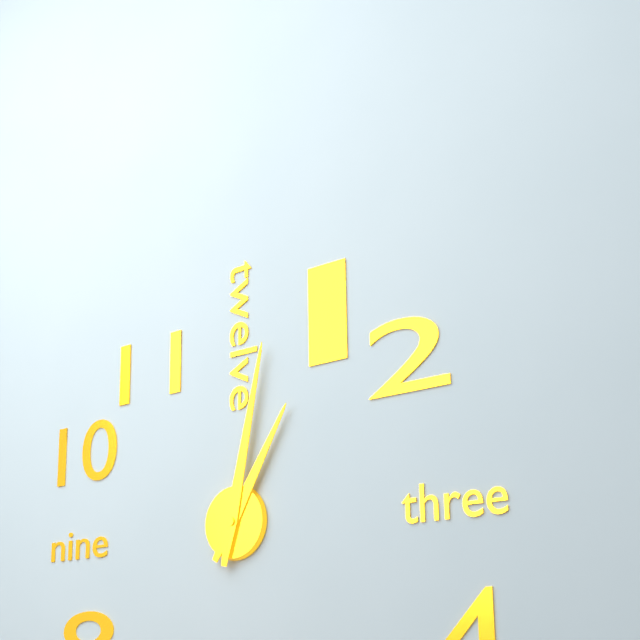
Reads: 1,02
